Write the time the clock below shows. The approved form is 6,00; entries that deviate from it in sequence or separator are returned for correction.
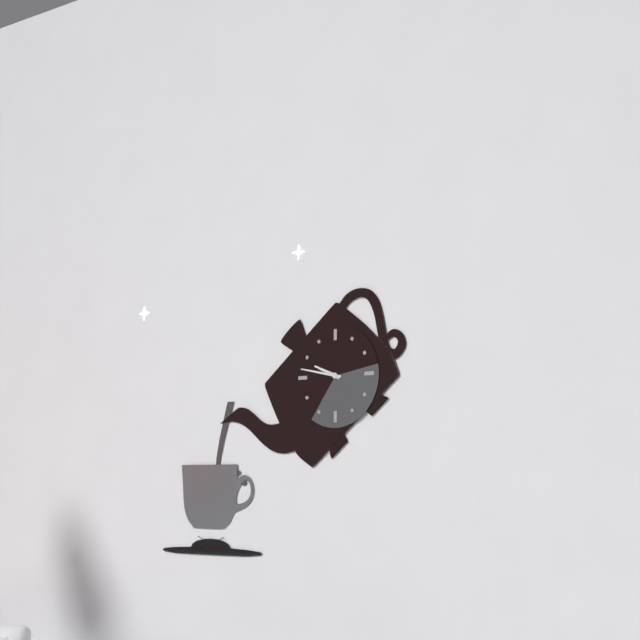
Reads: 9,47
